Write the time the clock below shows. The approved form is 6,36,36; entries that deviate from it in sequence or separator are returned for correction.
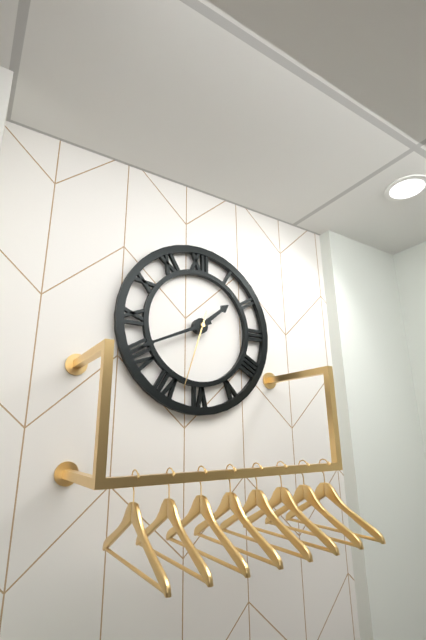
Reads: 1,41,33
